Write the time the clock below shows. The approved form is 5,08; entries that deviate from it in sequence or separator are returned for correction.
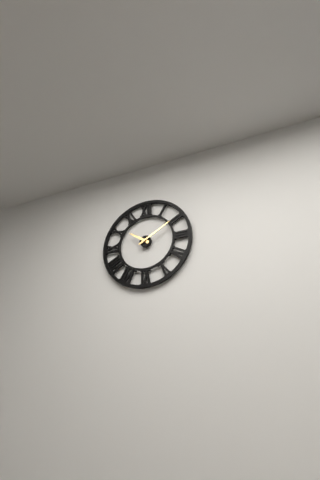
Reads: 10,10
